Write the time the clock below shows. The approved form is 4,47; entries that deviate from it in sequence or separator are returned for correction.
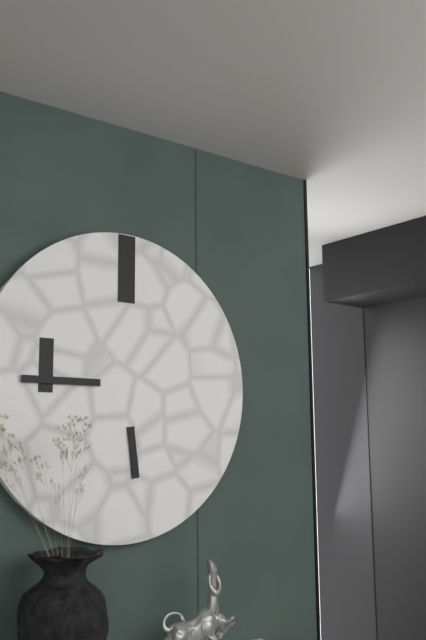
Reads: 5,45
